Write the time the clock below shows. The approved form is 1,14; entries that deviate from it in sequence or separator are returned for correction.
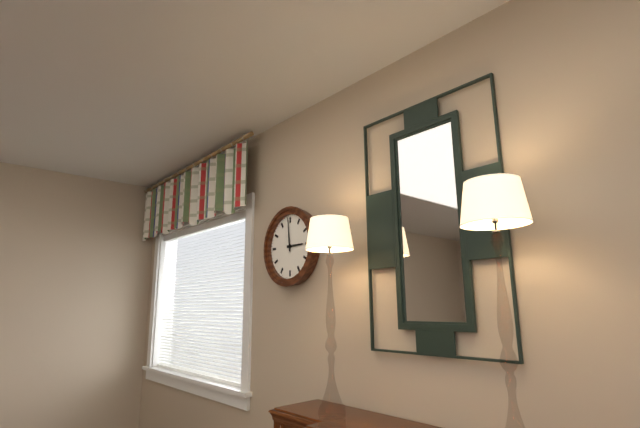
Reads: 2,59
